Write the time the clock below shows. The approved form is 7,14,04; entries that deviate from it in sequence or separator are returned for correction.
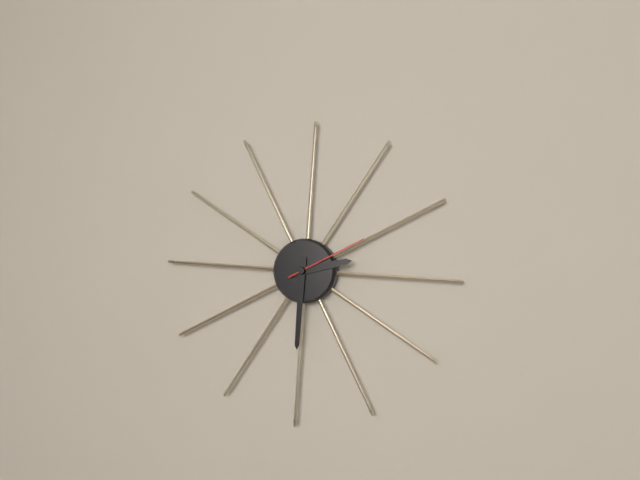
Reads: 2,30,10
